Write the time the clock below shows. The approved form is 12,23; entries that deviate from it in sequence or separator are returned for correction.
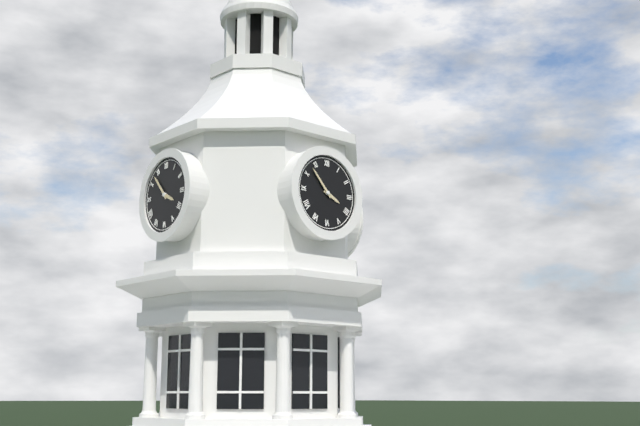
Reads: 3,53
